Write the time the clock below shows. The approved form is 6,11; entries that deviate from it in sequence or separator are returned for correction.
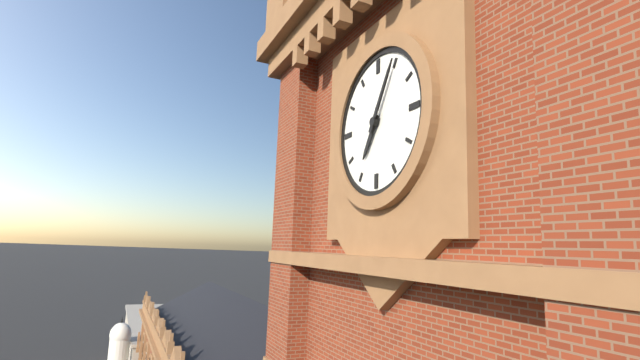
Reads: 7,05
